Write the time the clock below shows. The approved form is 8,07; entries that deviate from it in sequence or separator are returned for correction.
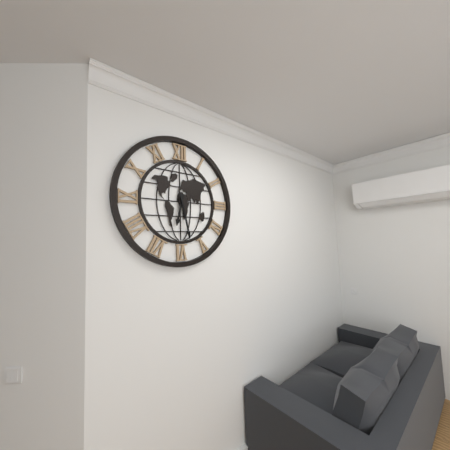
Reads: 6,28
